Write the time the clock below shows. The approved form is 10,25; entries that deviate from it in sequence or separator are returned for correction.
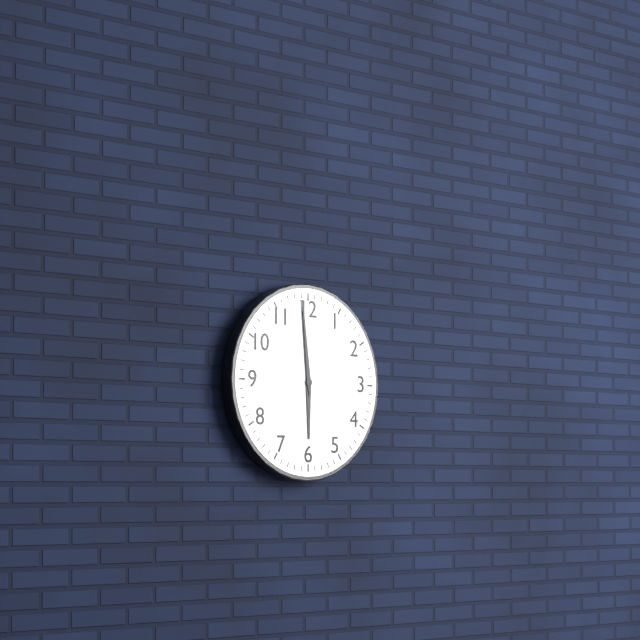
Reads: 5,59
